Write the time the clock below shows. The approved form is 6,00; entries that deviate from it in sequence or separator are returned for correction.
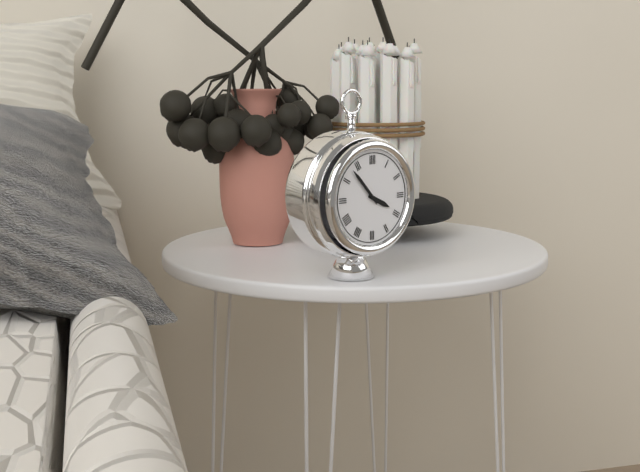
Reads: 3,53
